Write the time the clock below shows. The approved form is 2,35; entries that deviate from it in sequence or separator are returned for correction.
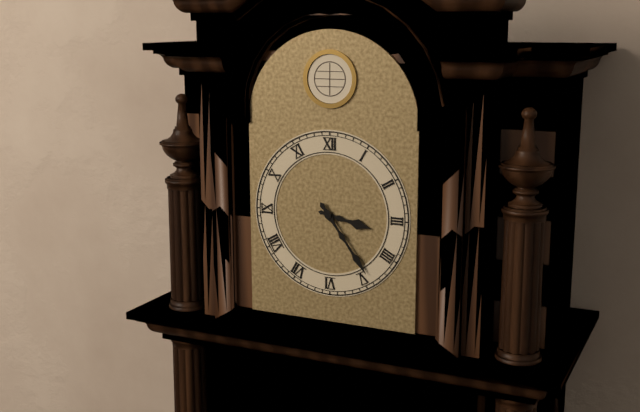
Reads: 3,24
